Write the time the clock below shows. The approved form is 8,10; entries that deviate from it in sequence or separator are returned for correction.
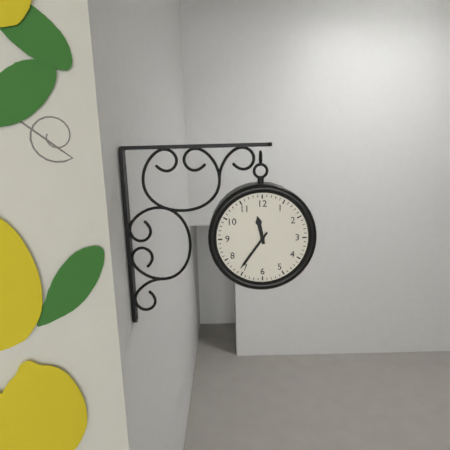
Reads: 11,36
